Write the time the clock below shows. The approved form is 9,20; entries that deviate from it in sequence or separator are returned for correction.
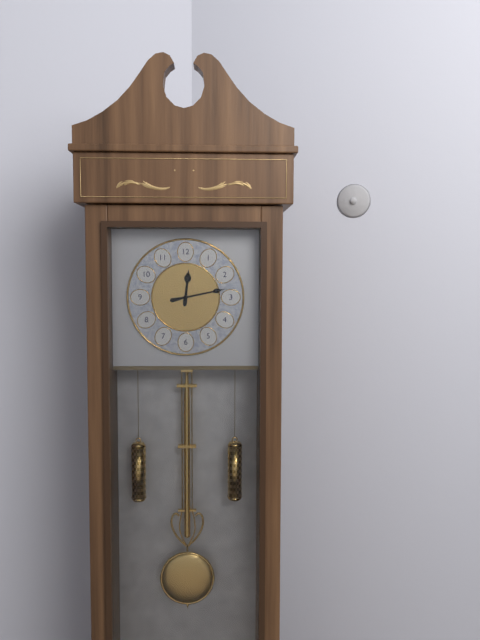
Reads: 12,13
